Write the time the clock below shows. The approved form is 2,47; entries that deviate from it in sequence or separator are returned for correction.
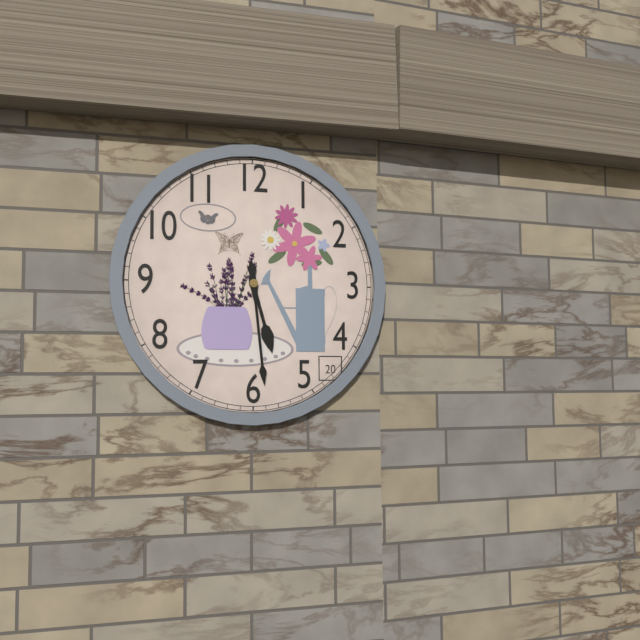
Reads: 5,29
